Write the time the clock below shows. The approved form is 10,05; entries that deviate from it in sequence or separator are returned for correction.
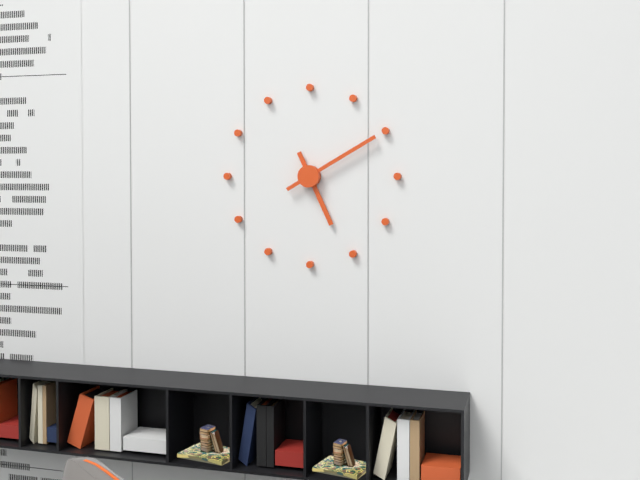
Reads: 5,10
